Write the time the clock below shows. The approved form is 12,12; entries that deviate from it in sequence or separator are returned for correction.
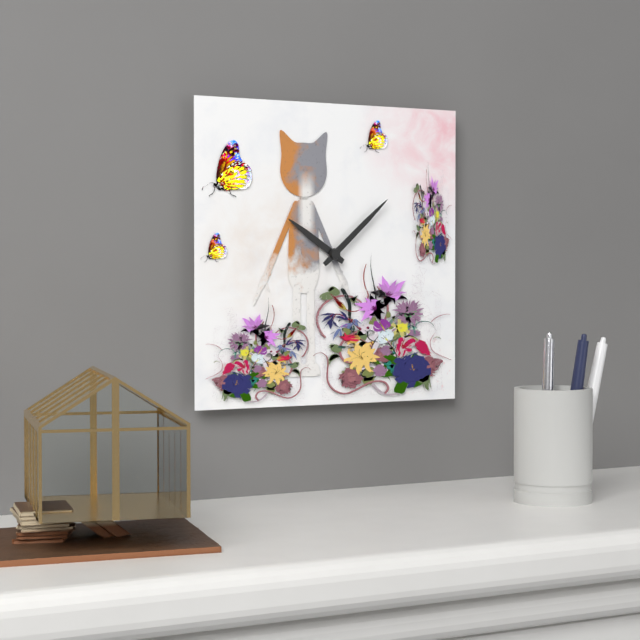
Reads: 10,08
